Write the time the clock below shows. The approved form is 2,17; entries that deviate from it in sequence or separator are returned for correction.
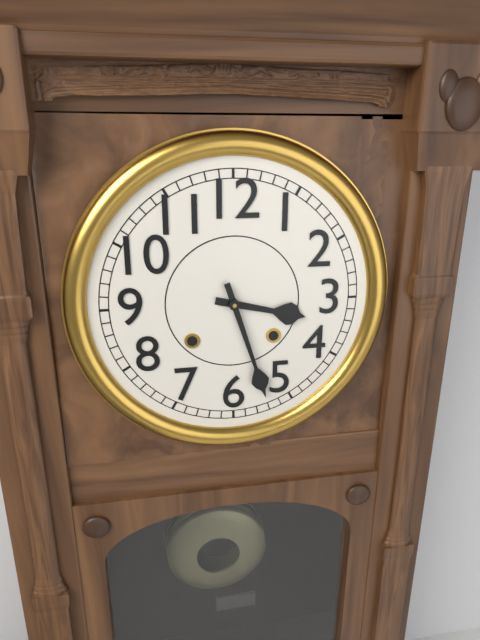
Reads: 3,27
